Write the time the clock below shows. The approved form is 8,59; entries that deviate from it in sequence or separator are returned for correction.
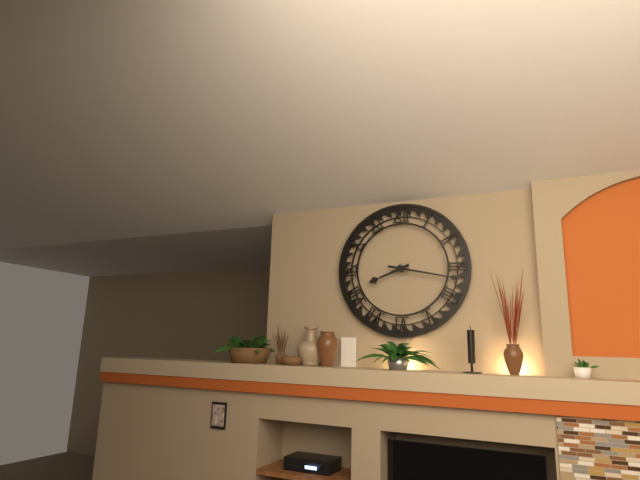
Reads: 8,17
